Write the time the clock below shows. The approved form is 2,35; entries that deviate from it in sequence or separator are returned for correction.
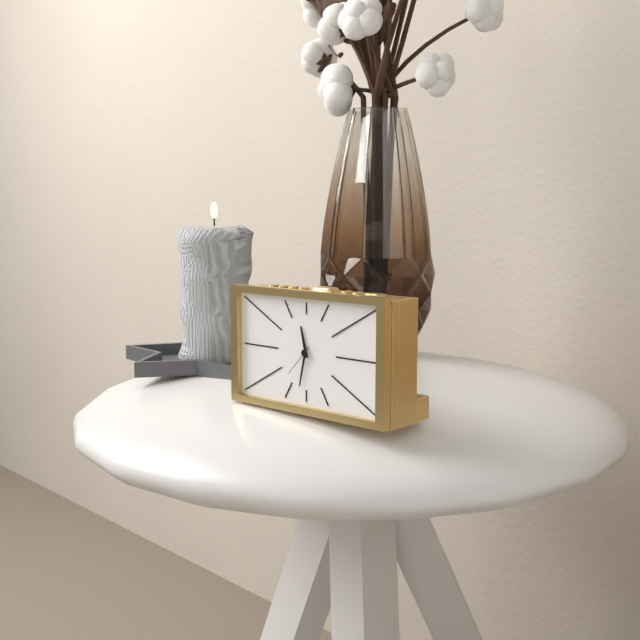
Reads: 11,32
